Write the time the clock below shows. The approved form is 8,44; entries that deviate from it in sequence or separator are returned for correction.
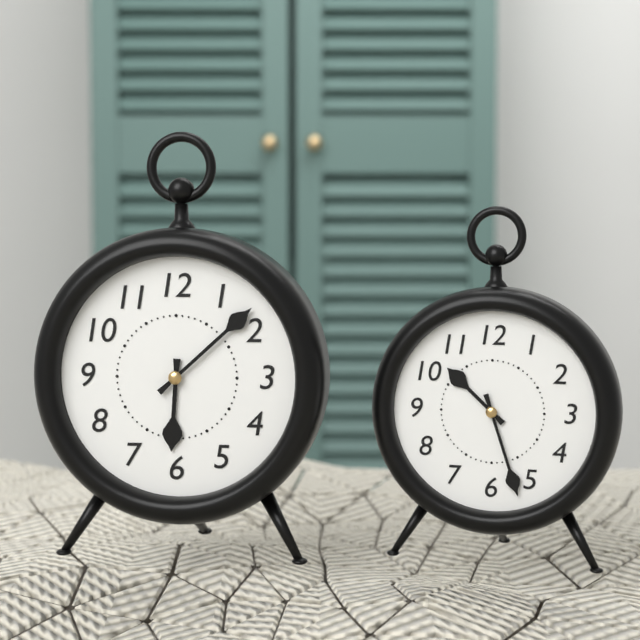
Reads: 6,08
